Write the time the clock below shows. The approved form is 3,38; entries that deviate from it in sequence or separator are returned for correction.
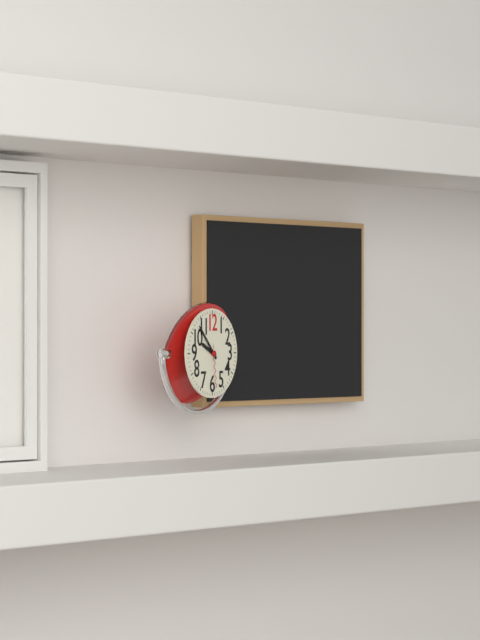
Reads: 9,53
